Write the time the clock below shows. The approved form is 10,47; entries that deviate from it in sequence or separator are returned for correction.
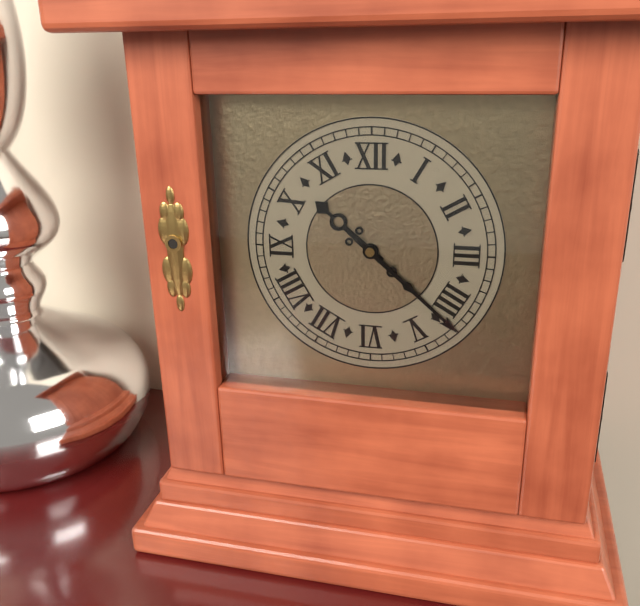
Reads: 10,22
